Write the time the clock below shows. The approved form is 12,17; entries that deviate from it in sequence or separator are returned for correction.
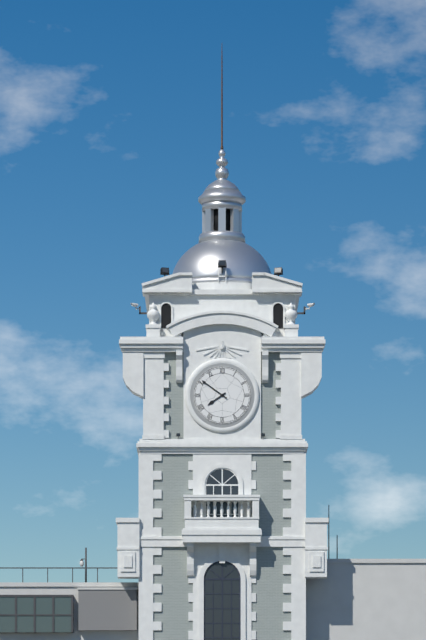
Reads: 7,51
